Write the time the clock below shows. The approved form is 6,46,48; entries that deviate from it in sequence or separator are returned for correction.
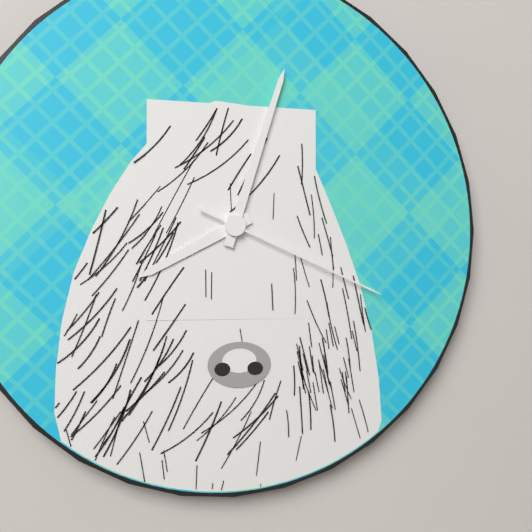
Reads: 8,03,19
